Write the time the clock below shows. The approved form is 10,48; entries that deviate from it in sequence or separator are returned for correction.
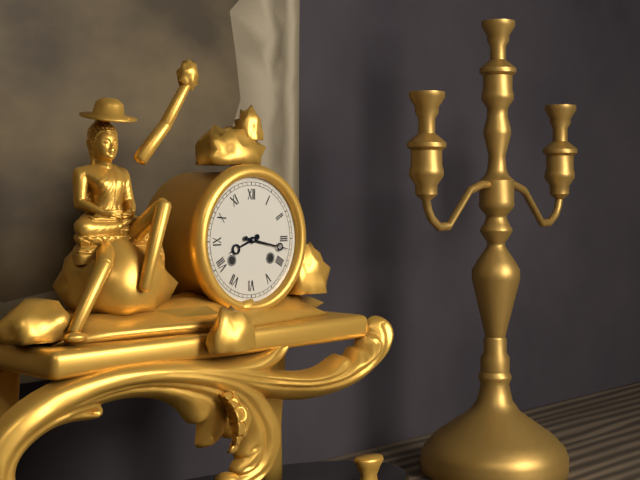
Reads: 8,17
